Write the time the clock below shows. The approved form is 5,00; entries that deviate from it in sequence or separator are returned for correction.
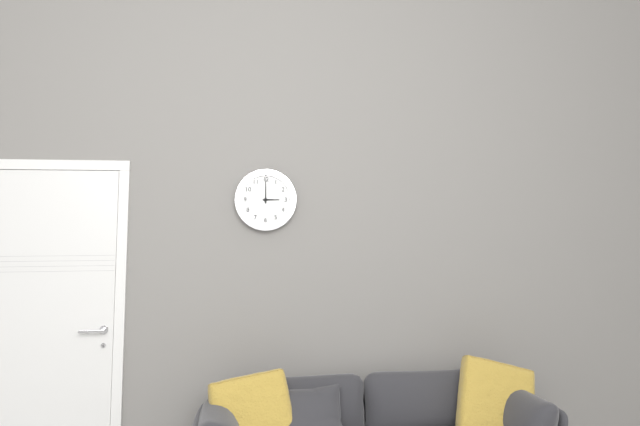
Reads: 3,00
